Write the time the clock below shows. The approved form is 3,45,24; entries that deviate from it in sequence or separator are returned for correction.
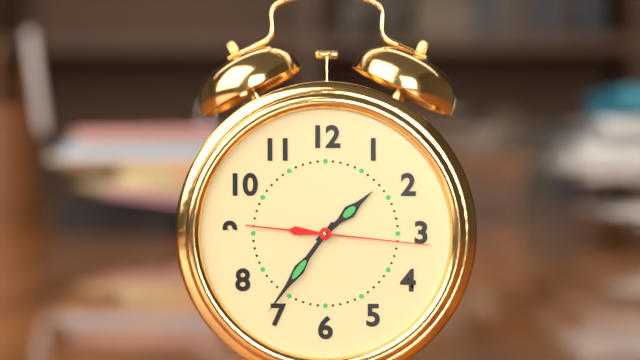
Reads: 1,36,16
